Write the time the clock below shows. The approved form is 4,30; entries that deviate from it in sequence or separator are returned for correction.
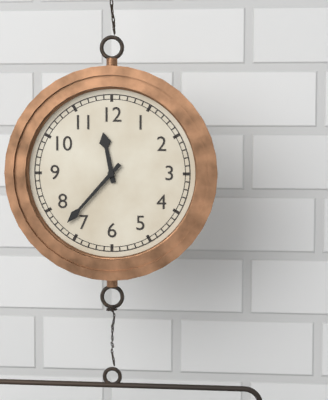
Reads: 11,37
